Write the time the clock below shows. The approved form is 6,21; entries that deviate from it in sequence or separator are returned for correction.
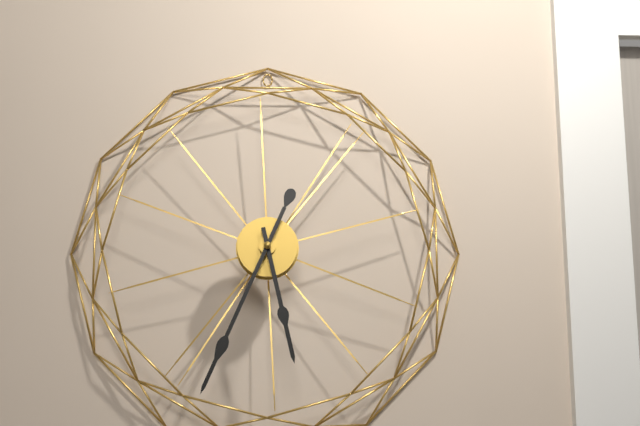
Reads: 5,34
